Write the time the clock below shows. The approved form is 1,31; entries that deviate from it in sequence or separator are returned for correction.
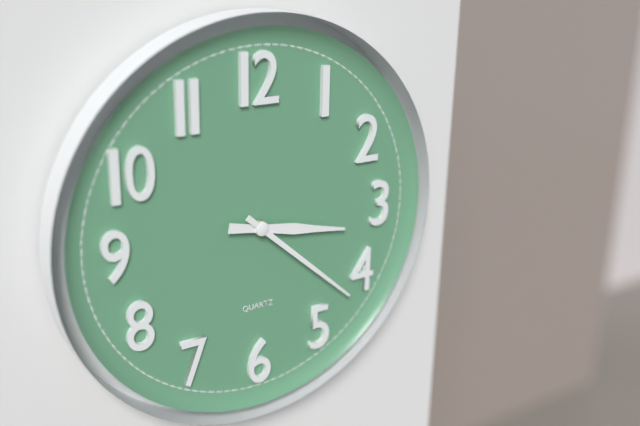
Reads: 3,22
